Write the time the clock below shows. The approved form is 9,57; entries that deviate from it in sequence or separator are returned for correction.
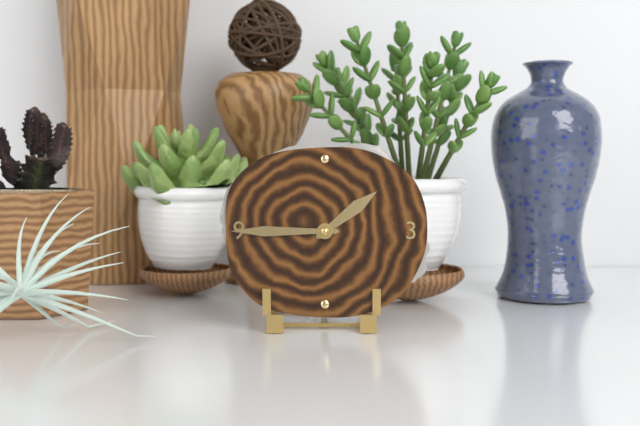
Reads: 1,45
